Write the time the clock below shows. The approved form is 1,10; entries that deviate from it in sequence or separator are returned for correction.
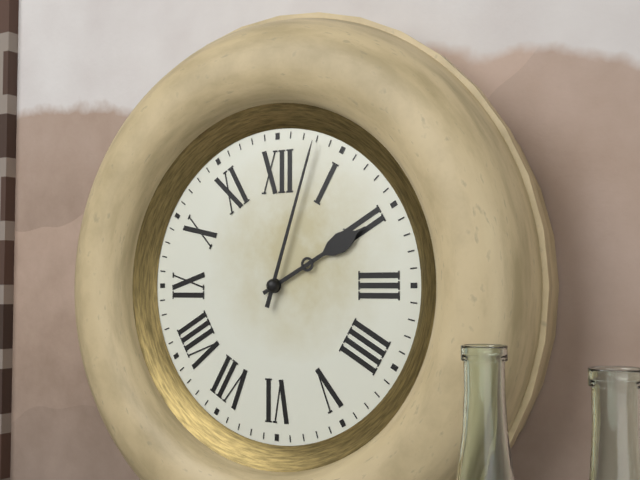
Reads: 2,03
